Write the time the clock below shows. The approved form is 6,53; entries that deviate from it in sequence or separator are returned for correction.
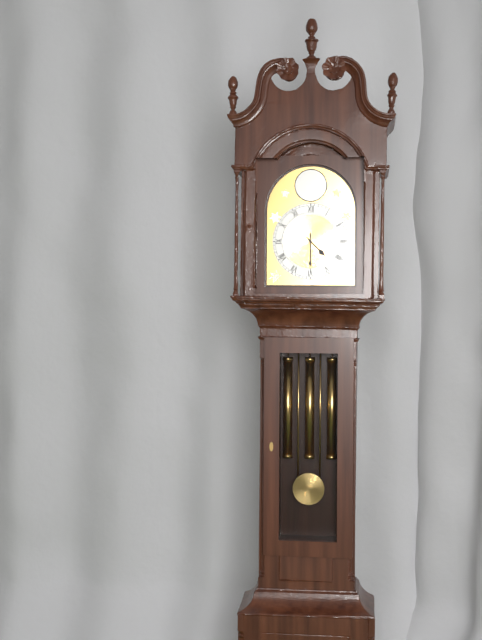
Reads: 4,30
